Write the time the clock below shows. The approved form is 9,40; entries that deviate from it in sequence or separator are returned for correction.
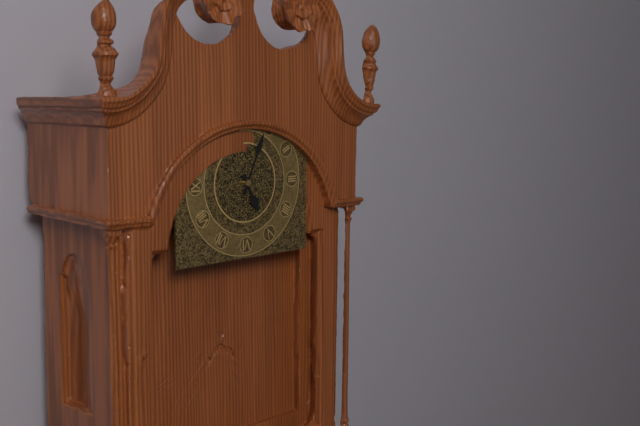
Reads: 5,04
